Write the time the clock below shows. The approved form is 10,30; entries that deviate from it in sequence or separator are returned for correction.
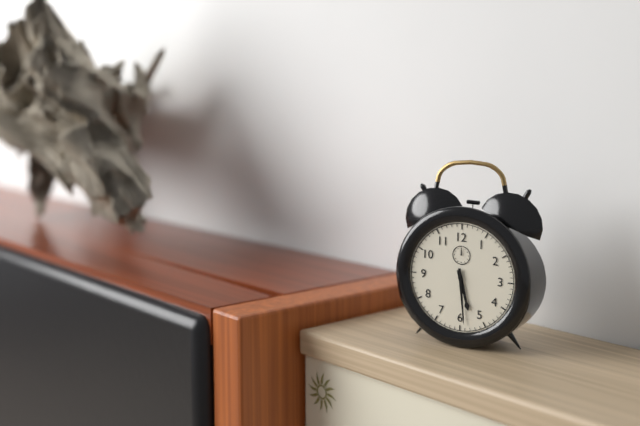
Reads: 5,29
